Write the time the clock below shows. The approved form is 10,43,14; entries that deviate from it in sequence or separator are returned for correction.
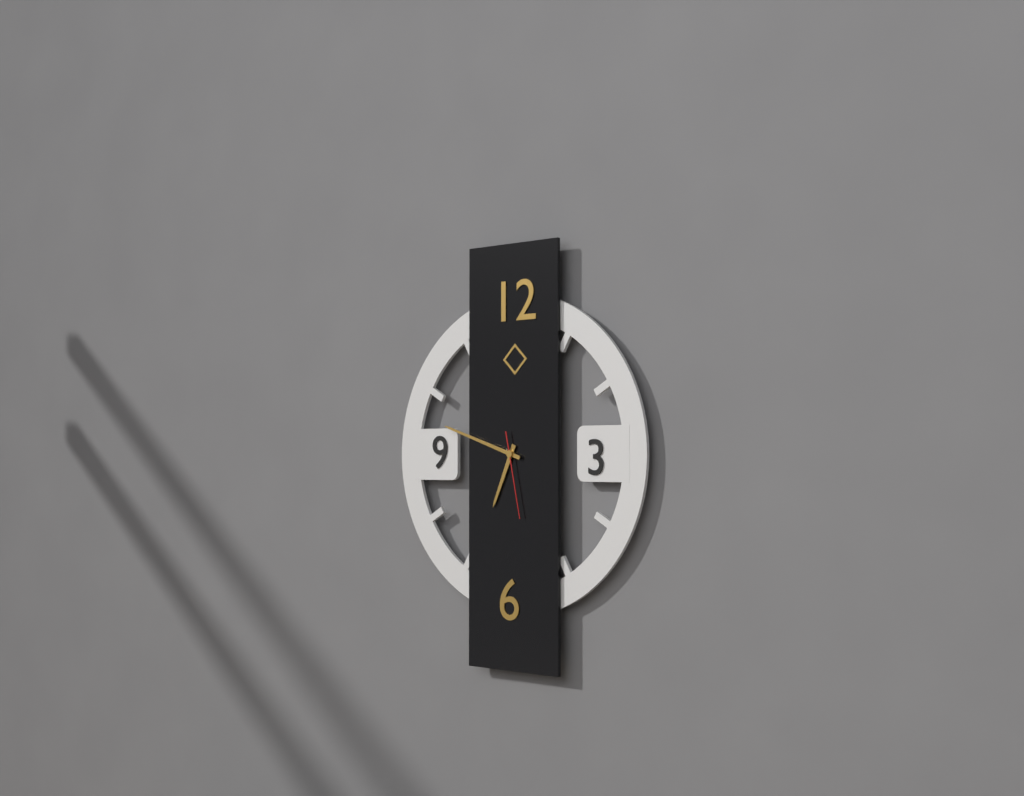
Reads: 6,48,28
